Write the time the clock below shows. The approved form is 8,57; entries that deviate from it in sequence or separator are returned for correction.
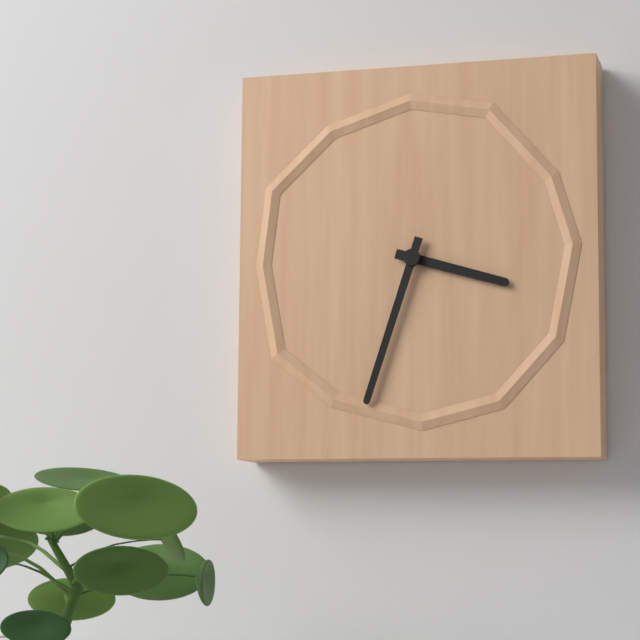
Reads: 3,33
